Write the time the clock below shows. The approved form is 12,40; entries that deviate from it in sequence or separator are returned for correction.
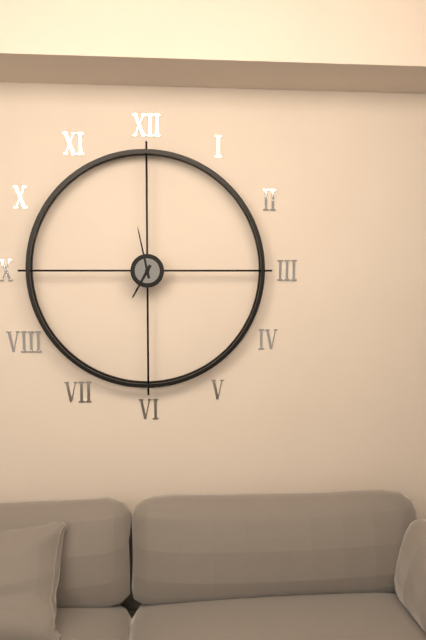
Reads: 6,58
